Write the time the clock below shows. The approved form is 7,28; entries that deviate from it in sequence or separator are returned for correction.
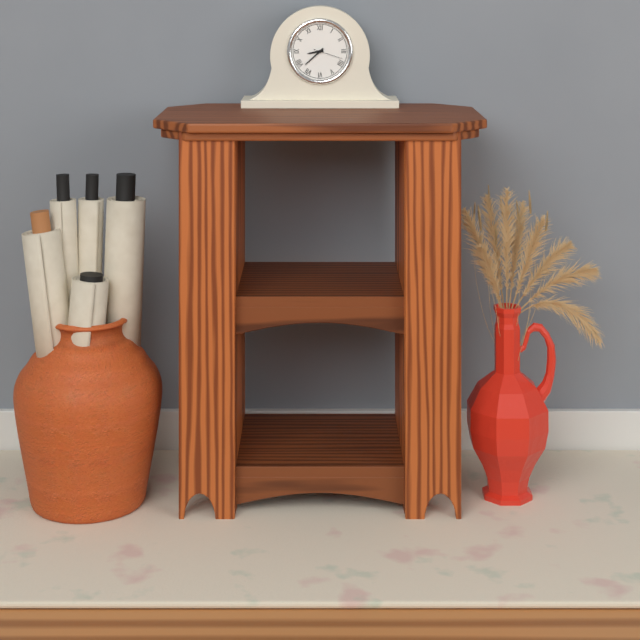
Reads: 8,38
